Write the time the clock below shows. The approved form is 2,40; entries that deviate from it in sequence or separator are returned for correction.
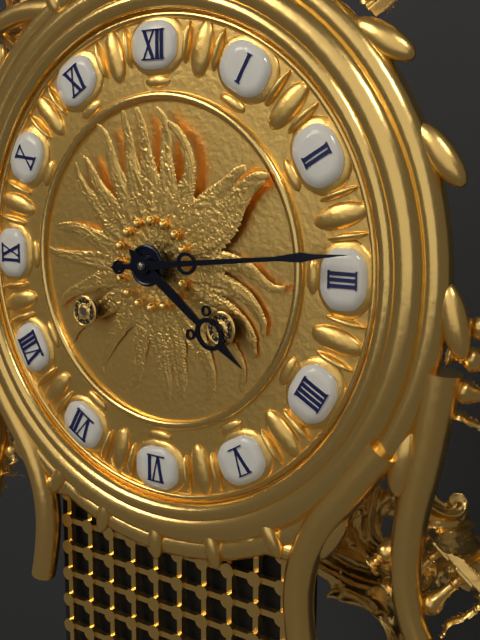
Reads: 4,14
